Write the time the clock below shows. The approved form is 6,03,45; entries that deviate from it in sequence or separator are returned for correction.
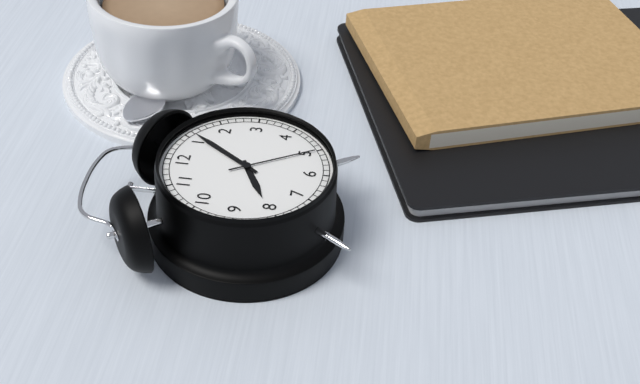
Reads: 8,06,25
